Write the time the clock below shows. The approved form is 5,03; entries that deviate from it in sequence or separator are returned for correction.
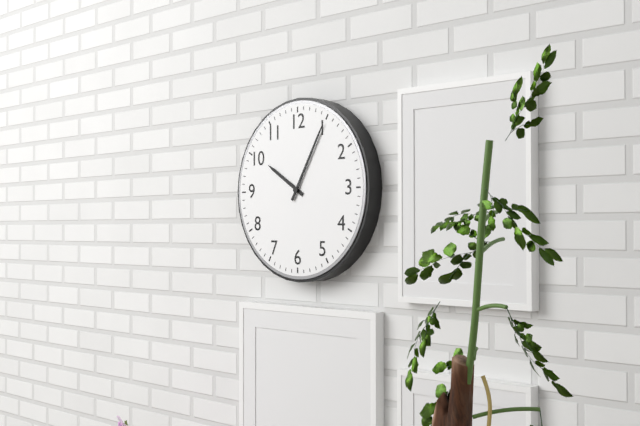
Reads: 10,05
